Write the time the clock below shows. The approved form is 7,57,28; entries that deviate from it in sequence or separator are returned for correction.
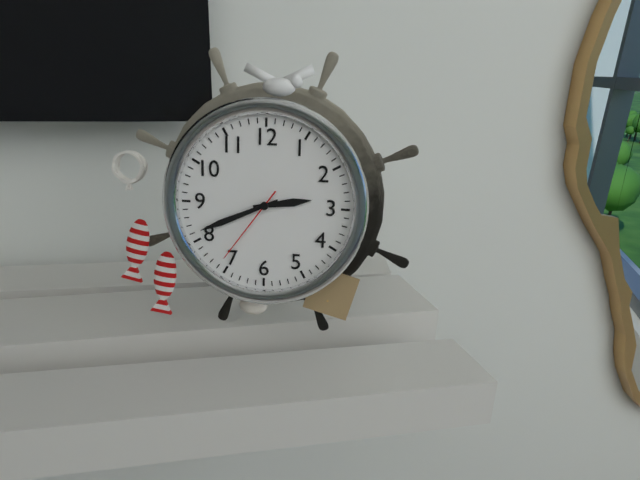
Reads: 2,41,36
